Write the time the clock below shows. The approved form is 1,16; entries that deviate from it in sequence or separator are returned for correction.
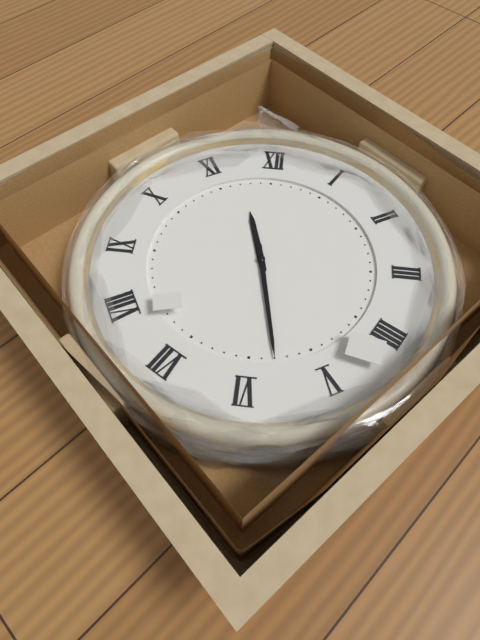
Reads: 11,28
